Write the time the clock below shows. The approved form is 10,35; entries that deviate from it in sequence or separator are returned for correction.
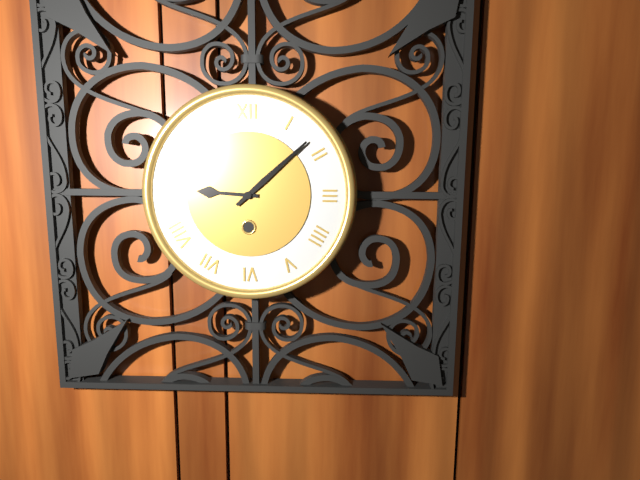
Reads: 9,08
